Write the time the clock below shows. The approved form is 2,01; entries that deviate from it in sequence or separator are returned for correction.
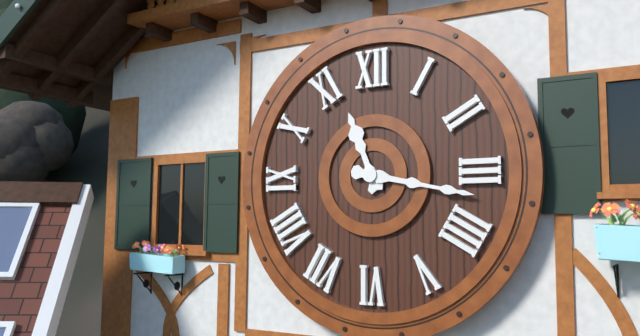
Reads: 11,17
